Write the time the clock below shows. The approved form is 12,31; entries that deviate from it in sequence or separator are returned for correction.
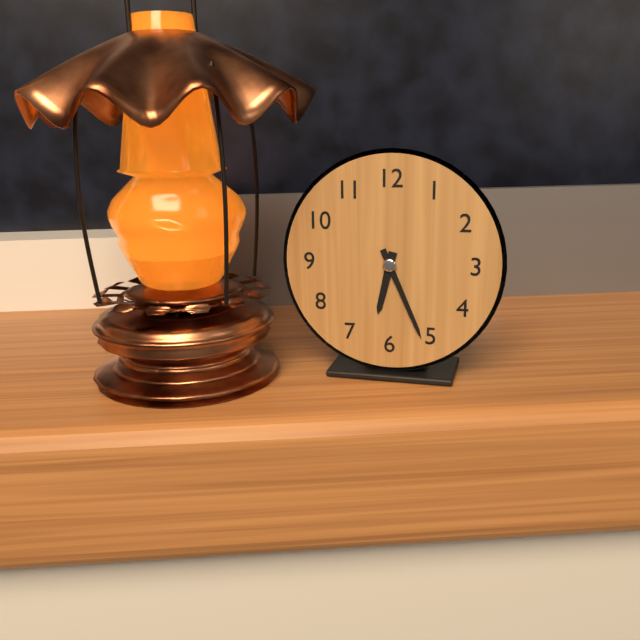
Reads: 6,26
